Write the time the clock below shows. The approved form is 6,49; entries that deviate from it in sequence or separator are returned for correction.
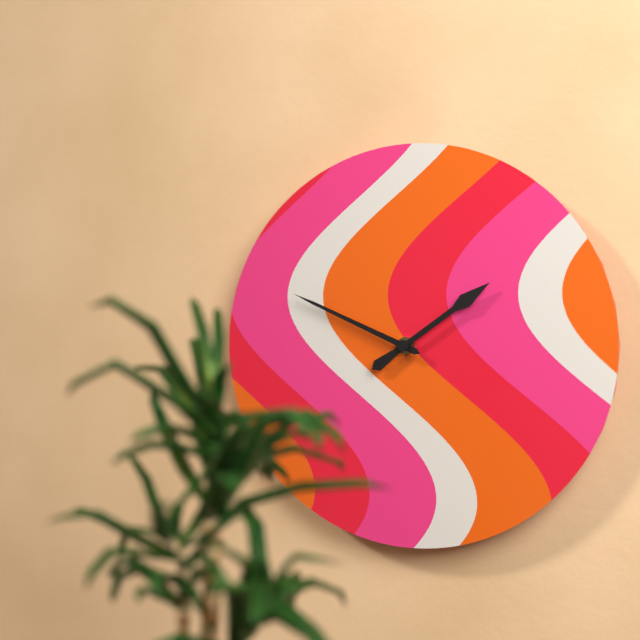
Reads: 1,49
